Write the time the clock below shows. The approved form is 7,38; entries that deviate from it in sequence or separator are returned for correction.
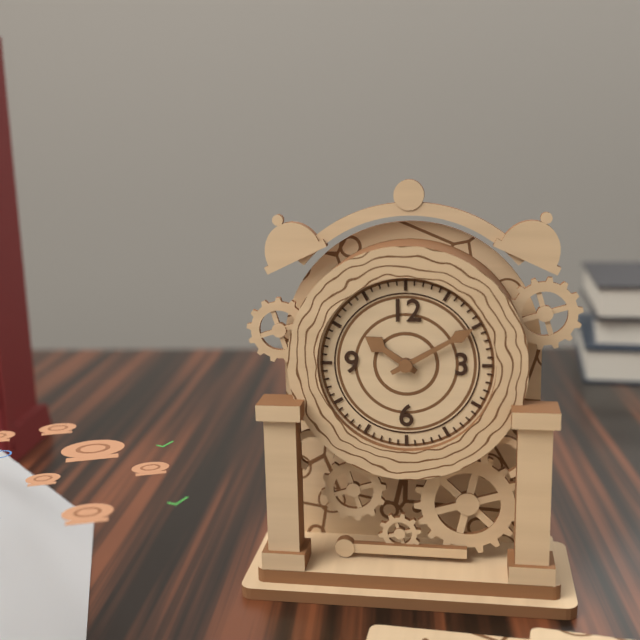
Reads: 10,10
